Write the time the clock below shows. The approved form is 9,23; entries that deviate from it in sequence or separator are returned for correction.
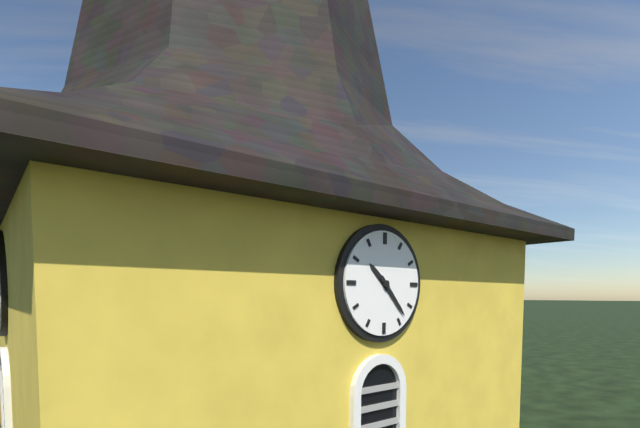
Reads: 10,23
